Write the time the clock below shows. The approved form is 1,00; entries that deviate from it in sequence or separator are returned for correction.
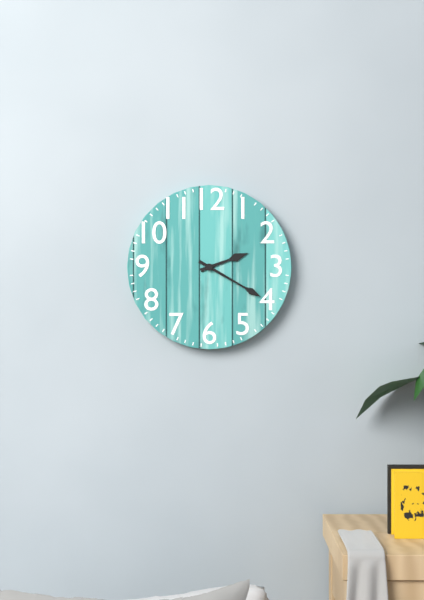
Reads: 2,20
